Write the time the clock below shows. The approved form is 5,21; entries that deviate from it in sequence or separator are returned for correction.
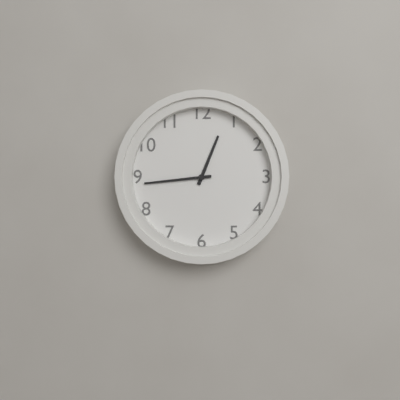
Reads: 12,44
